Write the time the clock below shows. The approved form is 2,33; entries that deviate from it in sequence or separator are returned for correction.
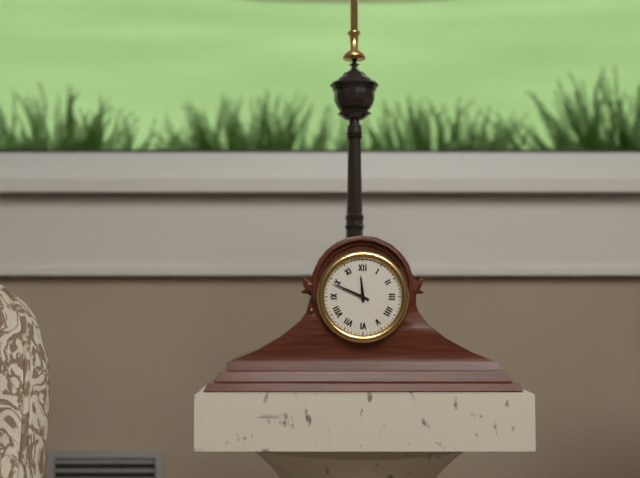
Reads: 11,49
